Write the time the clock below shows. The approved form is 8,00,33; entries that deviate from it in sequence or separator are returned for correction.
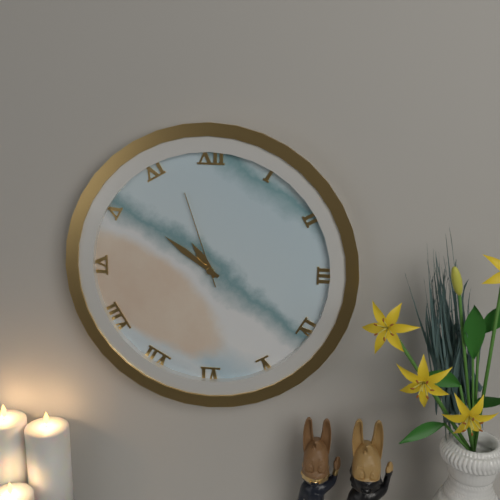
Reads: 10,51,57
